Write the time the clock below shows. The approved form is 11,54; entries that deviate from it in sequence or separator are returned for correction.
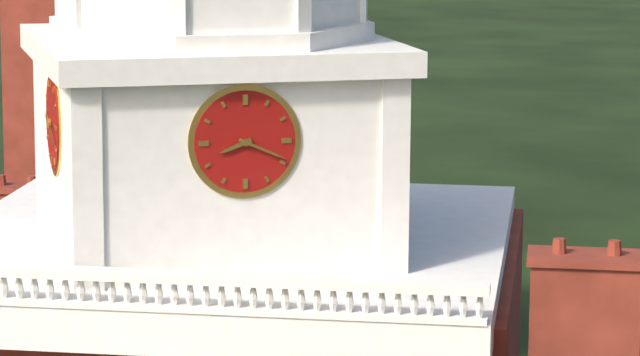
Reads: 8,19
